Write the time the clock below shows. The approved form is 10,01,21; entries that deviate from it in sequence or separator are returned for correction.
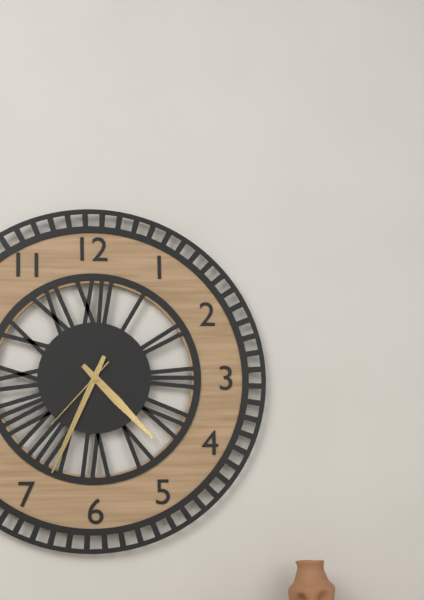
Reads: 4,34,37
